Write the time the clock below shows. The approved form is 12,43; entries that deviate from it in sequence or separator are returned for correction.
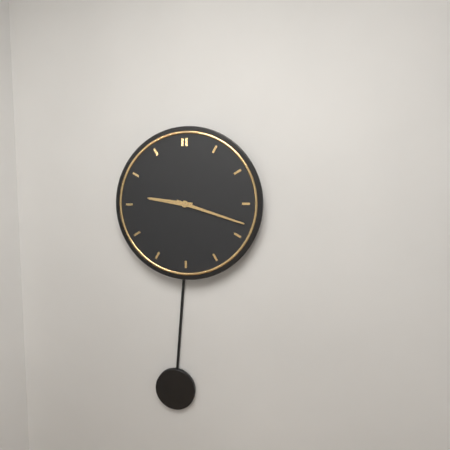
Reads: 9,18
